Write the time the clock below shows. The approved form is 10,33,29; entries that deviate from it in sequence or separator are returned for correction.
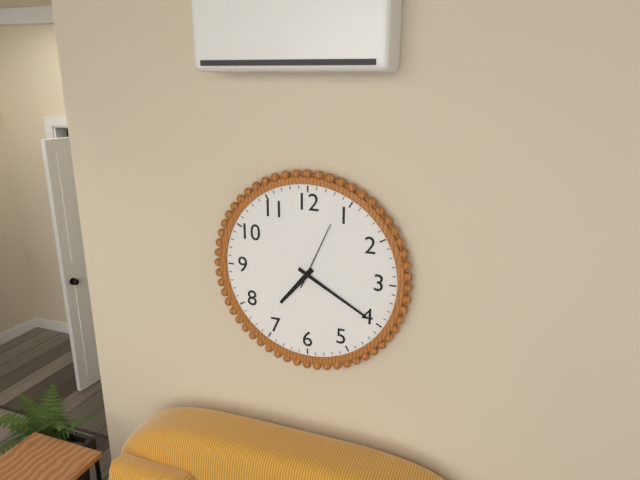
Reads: 7,20,04
